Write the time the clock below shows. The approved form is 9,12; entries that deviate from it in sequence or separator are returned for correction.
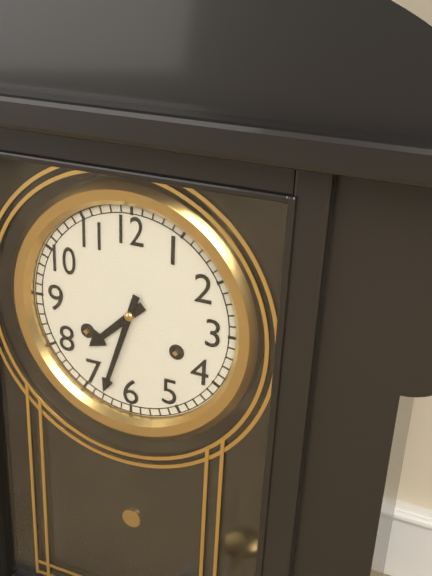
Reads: 7,33
